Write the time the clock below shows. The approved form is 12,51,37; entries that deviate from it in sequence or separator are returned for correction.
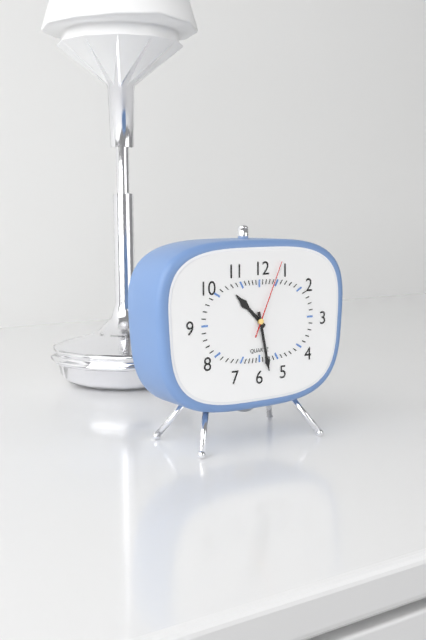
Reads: 10,28,04
